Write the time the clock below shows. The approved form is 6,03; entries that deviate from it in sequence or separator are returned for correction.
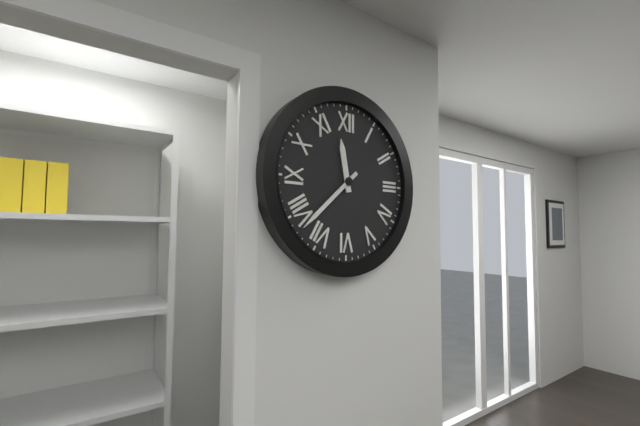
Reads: 11,38
